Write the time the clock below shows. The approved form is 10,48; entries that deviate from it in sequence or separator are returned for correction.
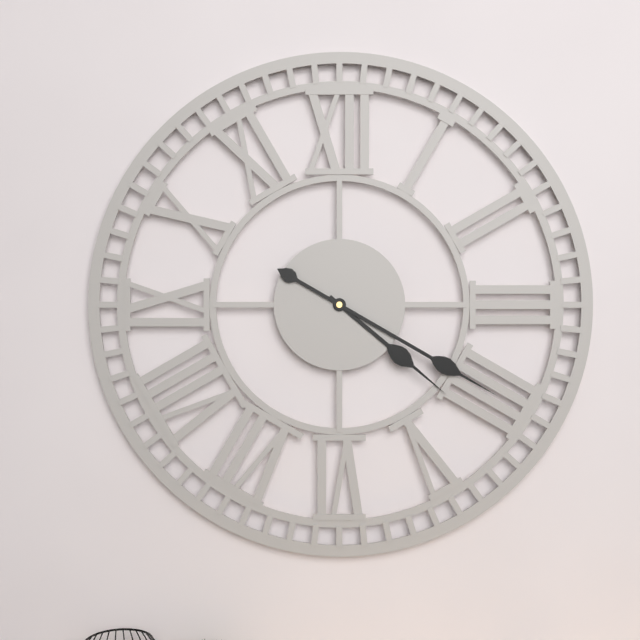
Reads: 4,20
